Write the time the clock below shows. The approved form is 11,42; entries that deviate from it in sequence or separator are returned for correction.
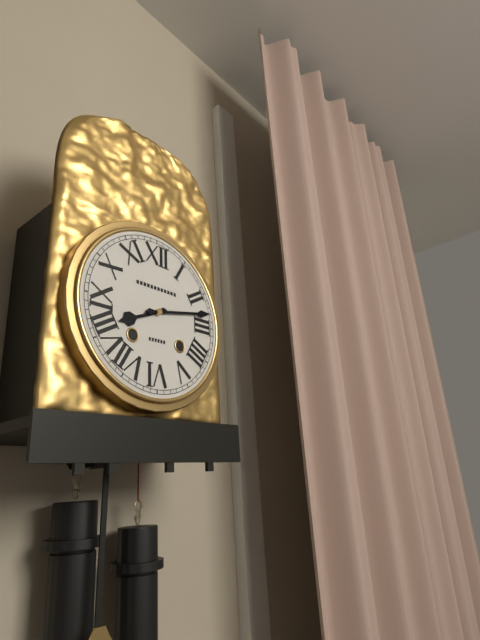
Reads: 8,13
